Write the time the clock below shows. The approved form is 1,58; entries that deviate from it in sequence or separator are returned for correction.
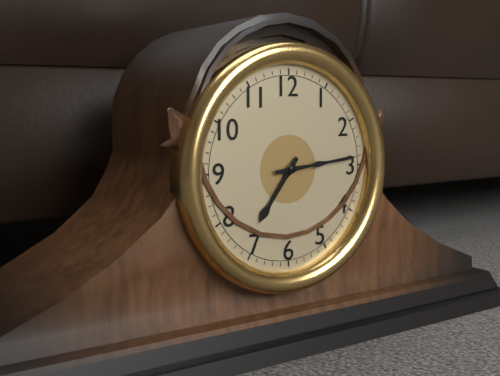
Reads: 7,14
